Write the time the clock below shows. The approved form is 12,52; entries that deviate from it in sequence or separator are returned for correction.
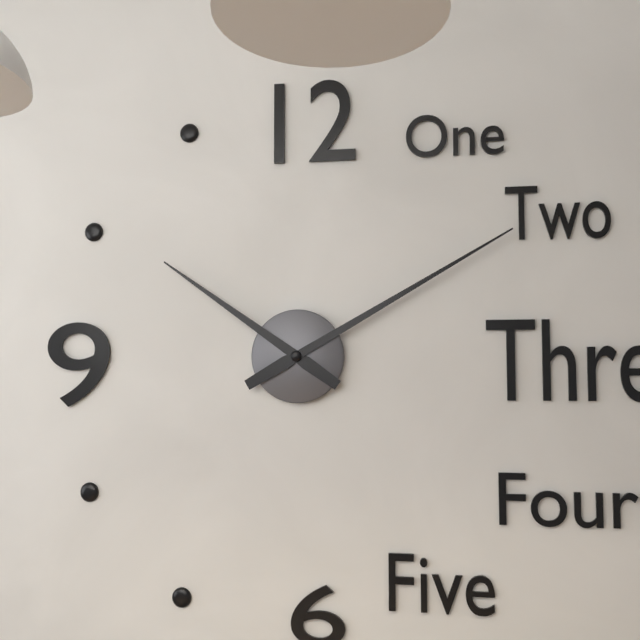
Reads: 10,10
